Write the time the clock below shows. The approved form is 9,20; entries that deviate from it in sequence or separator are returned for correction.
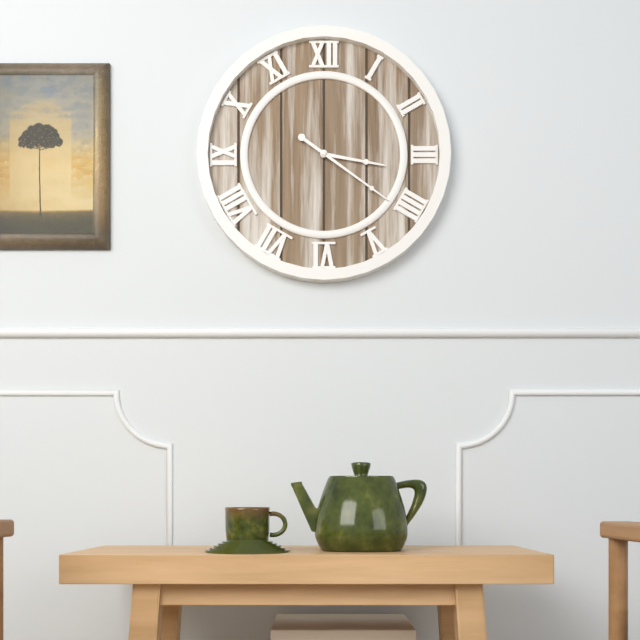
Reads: 3,21
